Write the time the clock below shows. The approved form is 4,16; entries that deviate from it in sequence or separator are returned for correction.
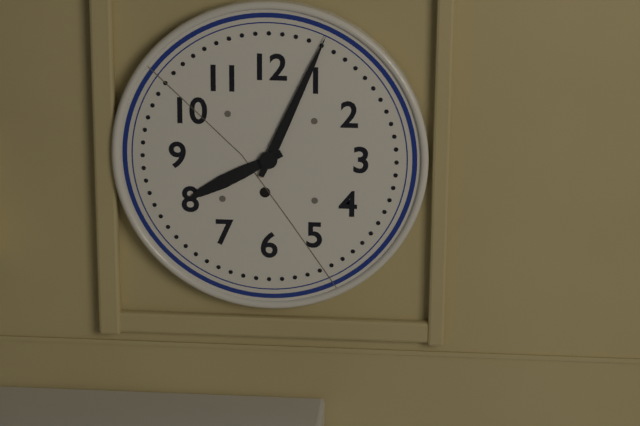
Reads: 8,04
